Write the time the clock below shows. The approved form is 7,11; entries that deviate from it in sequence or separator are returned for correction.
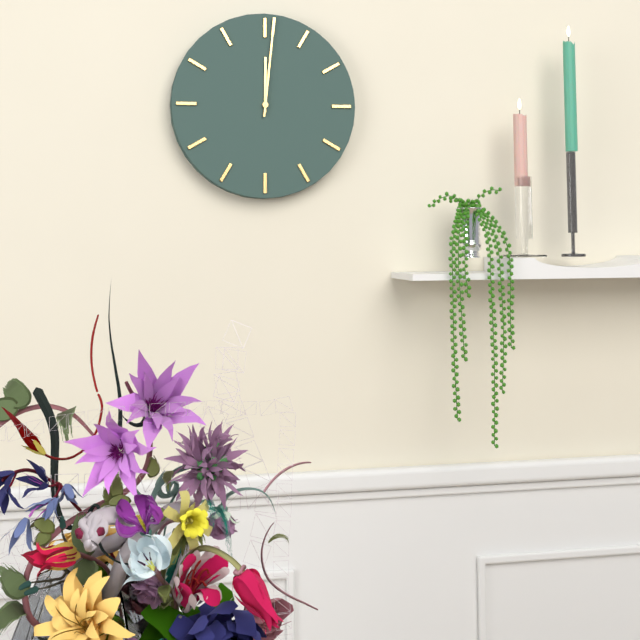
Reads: 12,01
